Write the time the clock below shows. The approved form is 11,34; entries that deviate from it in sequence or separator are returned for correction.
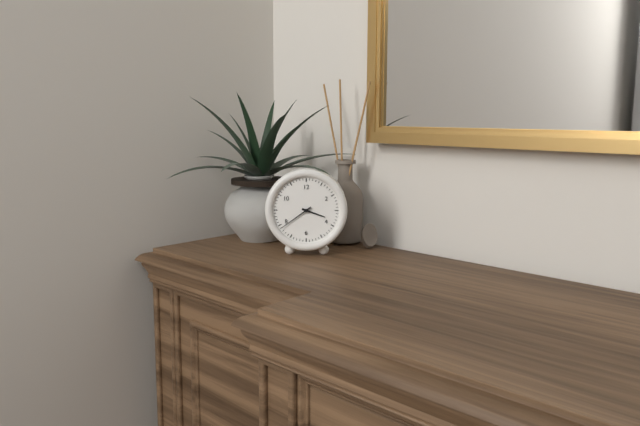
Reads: 3,39
